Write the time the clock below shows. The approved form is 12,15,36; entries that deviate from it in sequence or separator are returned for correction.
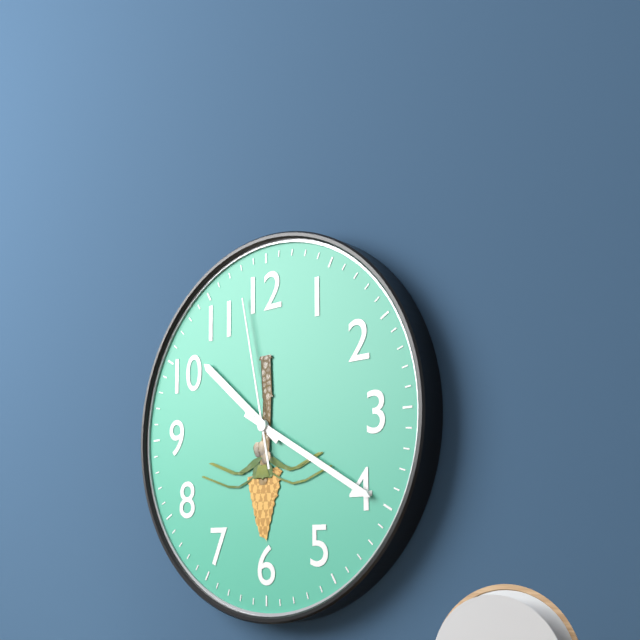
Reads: 10,20,58
